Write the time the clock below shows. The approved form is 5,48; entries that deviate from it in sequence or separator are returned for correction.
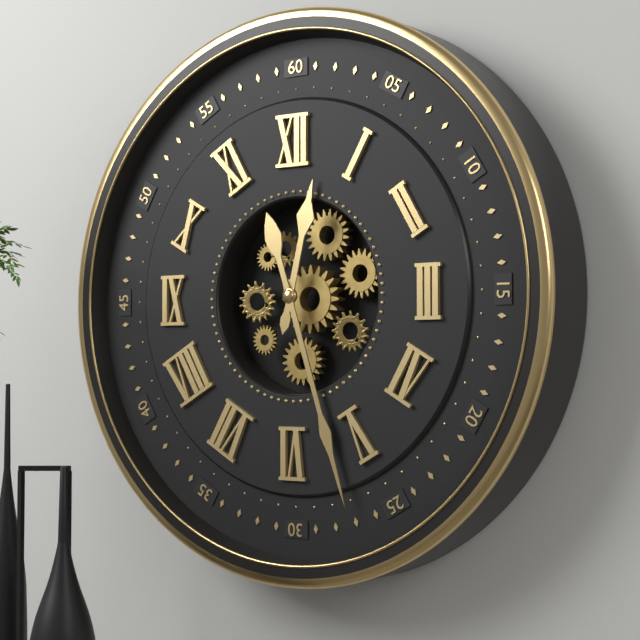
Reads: 12,27
